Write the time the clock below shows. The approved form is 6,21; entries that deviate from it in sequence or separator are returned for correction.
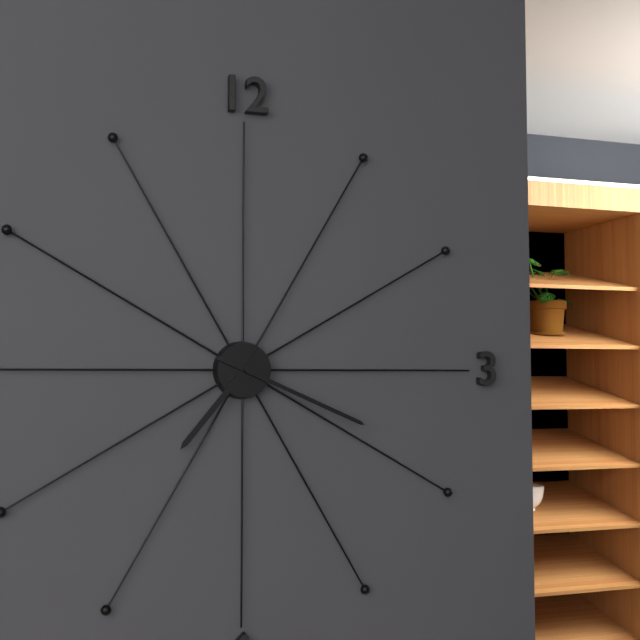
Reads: 7,19
